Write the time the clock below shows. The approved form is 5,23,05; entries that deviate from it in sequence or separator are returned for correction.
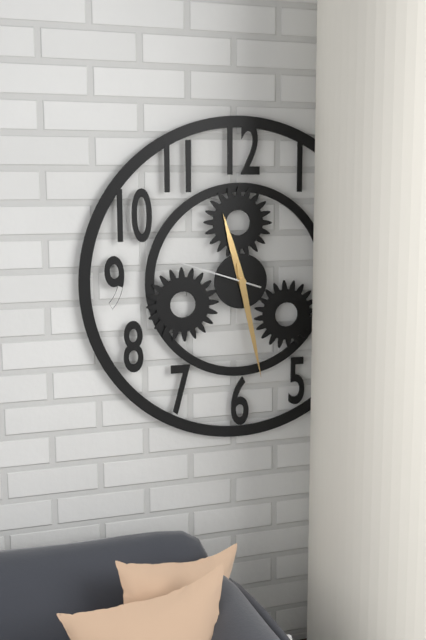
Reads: 11,28,48
